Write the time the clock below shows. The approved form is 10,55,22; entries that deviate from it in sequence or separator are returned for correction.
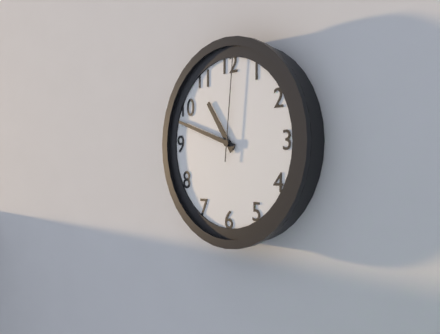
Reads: 10,48,01
